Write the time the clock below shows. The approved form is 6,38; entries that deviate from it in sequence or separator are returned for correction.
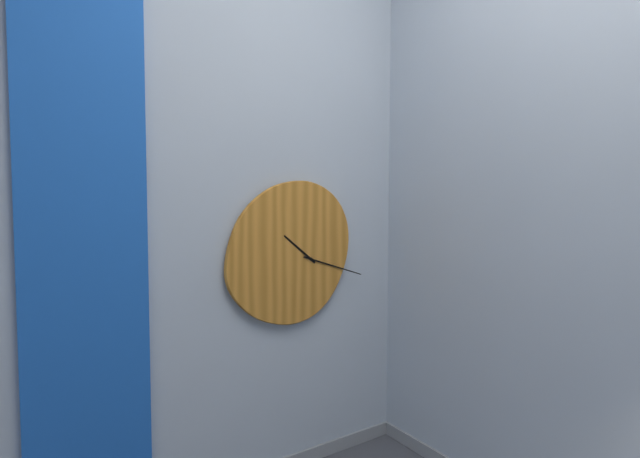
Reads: 10,18
